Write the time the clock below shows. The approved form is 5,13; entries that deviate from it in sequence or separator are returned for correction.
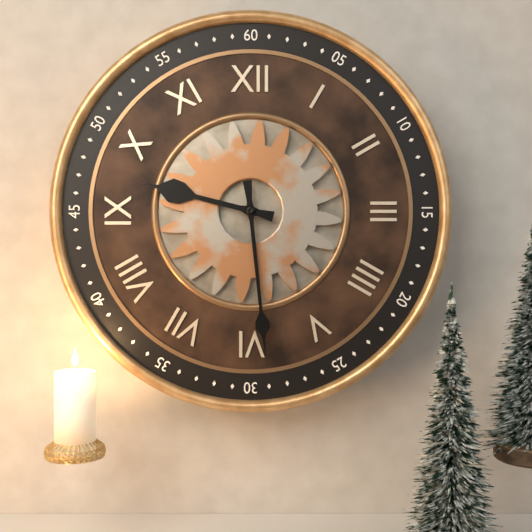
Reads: 9,29
